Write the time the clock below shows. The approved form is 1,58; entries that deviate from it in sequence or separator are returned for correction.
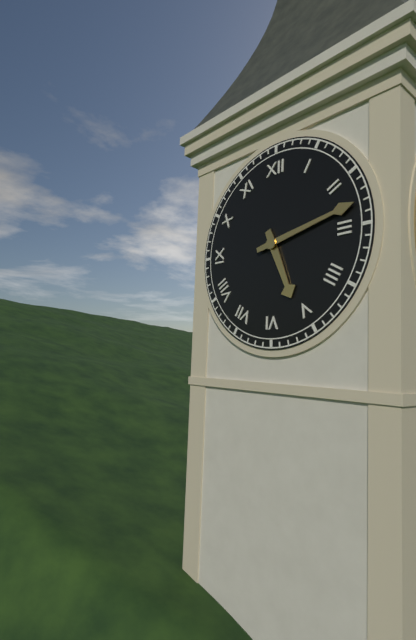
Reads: 5,13
